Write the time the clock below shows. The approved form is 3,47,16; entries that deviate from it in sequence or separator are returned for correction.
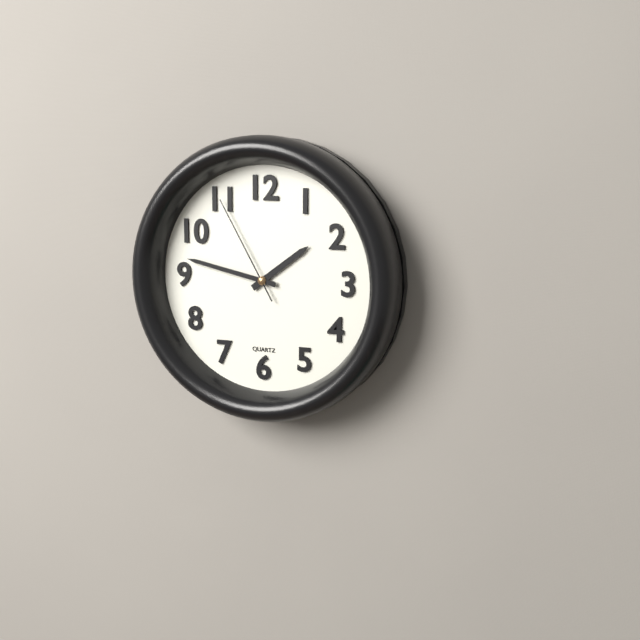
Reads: 1,47,55
